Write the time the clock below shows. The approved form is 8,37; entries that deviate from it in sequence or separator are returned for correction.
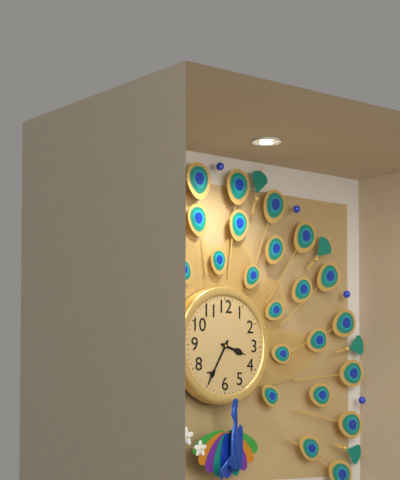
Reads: 3,35
